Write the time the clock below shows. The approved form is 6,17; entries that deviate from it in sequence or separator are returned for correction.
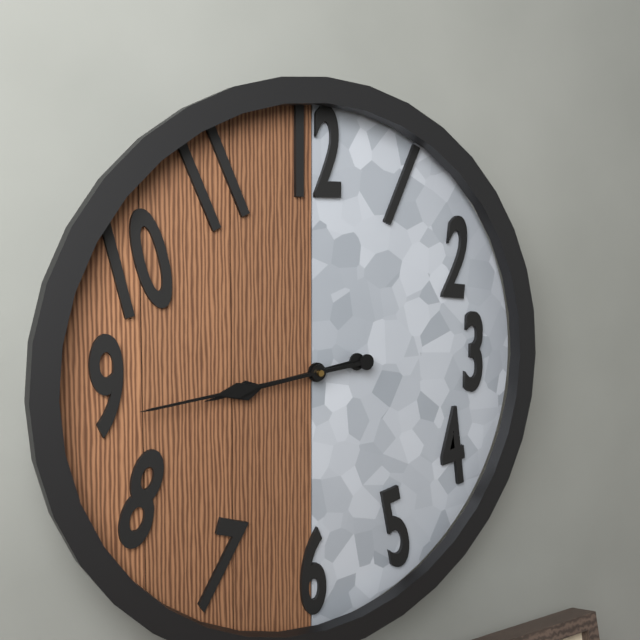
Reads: 8,44
